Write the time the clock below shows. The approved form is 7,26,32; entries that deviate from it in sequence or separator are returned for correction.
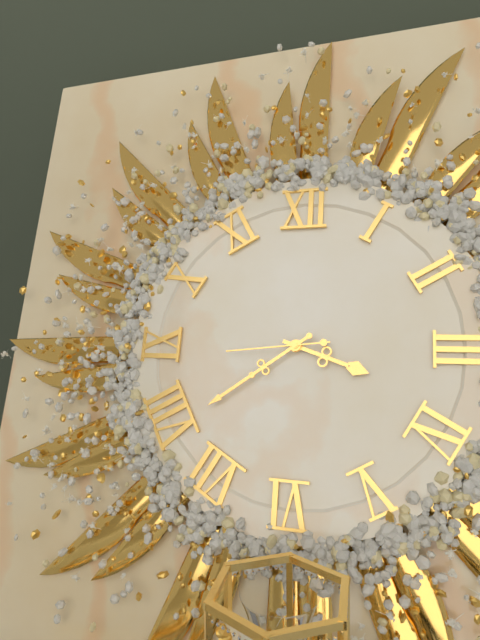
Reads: 3,39,44
